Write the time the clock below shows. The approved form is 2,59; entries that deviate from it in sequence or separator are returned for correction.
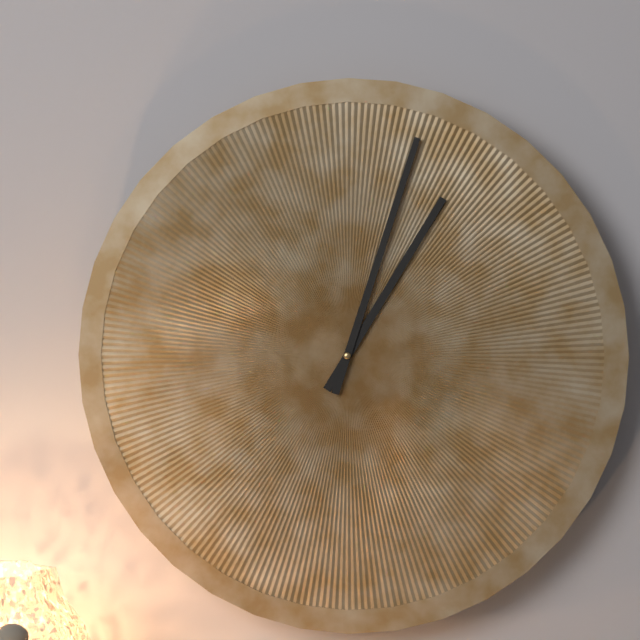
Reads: 1,03
